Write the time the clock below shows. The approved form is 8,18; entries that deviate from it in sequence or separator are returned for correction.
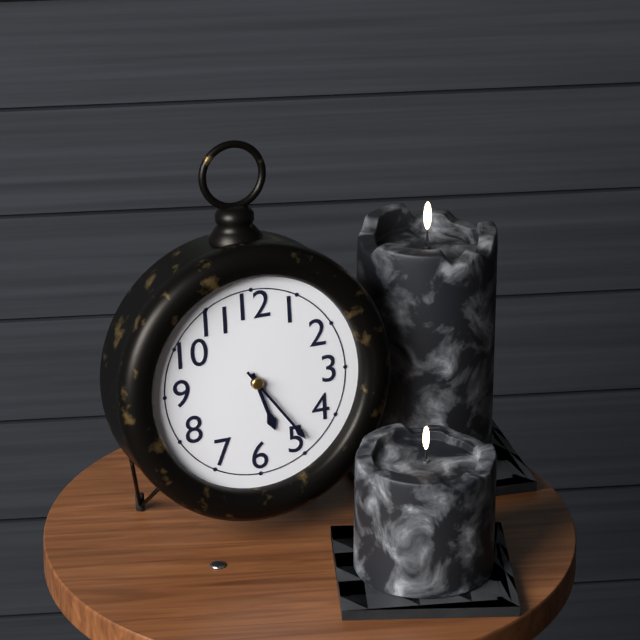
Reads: 5,24
